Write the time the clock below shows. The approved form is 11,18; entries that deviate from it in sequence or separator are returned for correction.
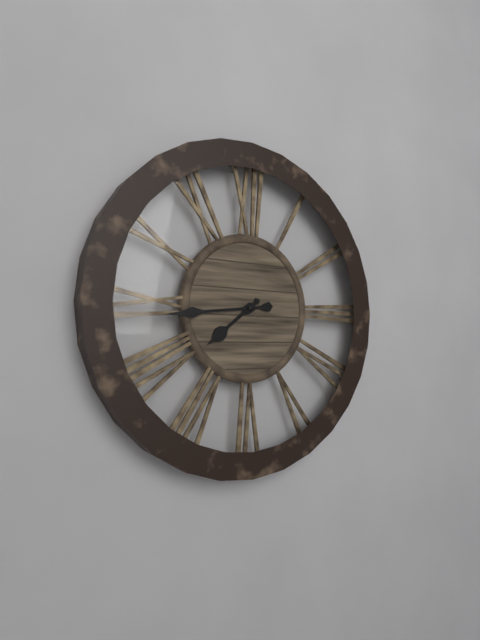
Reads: 7,44
